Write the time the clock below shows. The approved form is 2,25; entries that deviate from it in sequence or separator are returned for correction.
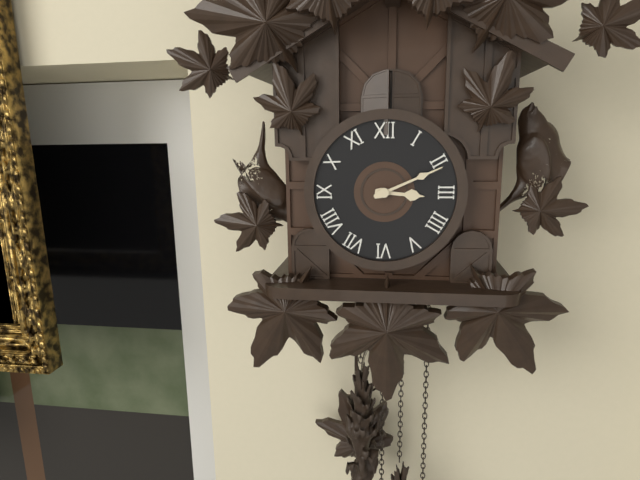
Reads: 3,11
